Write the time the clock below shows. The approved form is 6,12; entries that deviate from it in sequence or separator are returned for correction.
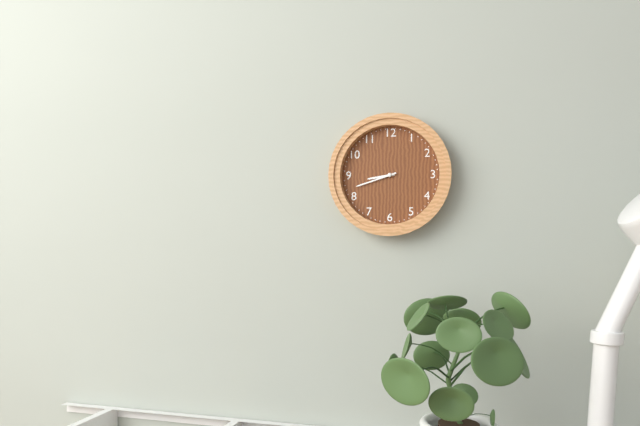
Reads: 8,42
